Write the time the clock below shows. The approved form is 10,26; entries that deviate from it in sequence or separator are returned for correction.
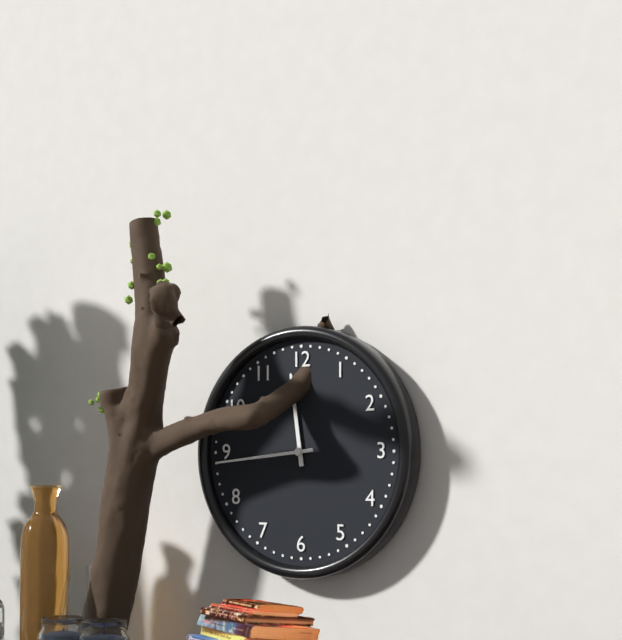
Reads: 11,44
